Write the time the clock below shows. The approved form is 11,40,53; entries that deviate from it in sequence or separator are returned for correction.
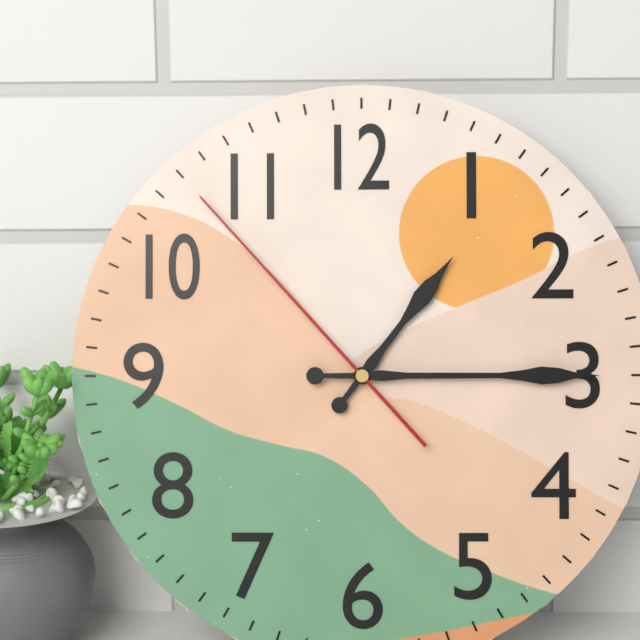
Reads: 1,15,53
